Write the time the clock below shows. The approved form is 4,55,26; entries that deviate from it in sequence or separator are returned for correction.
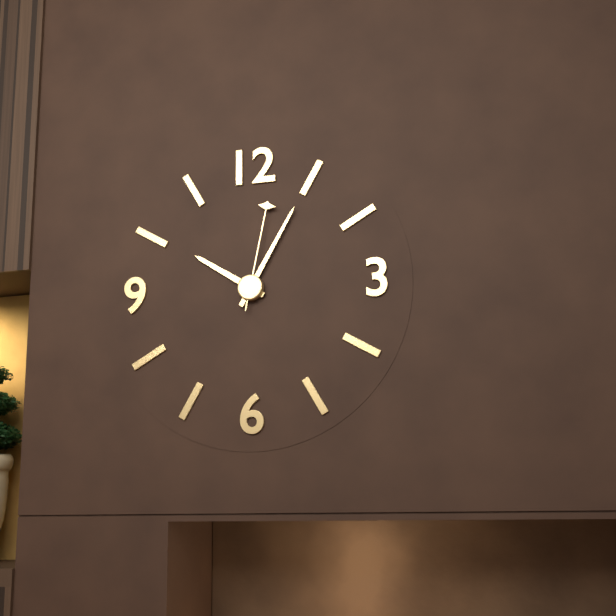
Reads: 10,05,02
